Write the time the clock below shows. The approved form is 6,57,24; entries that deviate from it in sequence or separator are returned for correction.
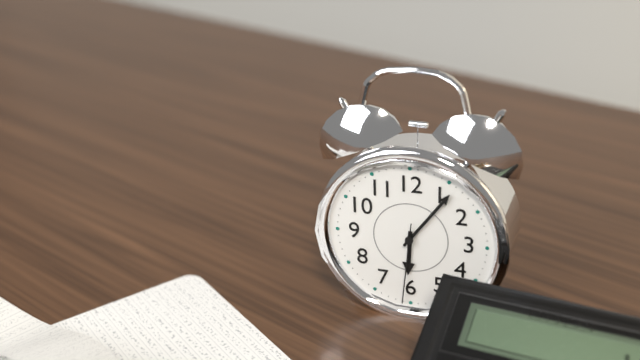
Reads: 6,06,31
